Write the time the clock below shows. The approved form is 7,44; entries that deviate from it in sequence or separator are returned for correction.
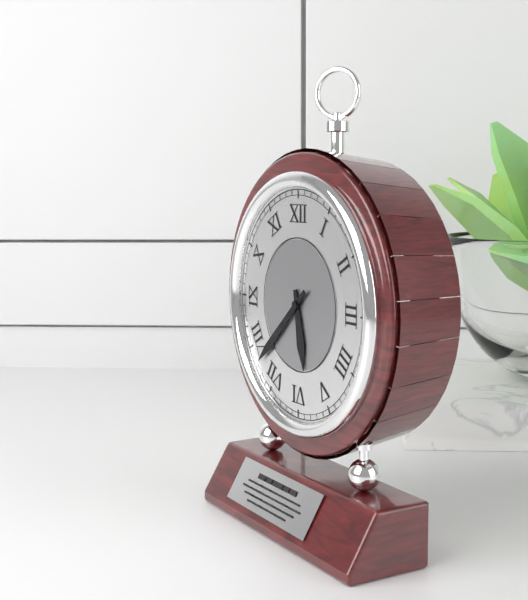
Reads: 5,38
